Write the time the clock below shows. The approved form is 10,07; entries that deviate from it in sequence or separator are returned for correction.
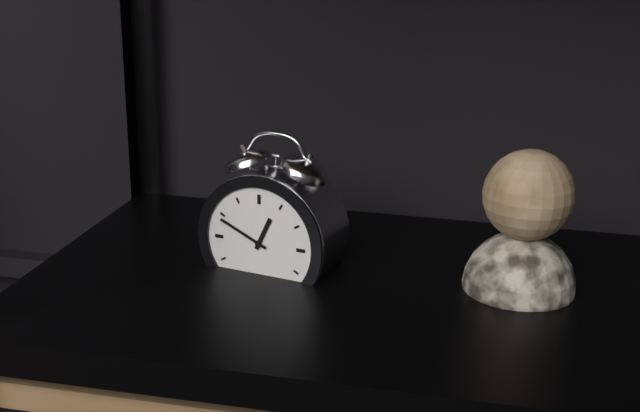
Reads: 12,49
